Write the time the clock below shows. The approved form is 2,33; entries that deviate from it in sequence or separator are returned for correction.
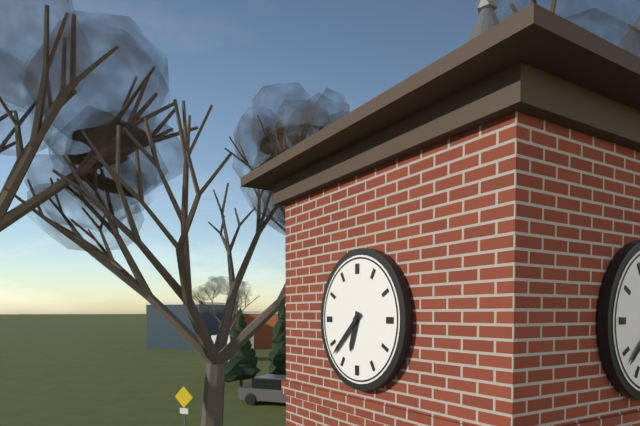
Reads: 6,38
